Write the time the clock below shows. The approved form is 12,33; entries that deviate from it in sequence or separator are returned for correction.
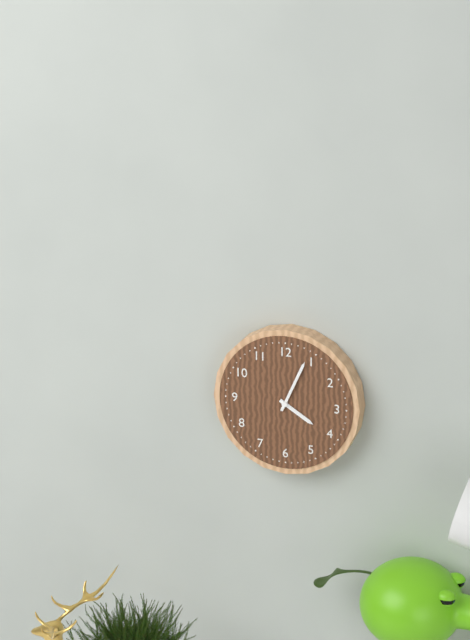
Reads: 4,04
